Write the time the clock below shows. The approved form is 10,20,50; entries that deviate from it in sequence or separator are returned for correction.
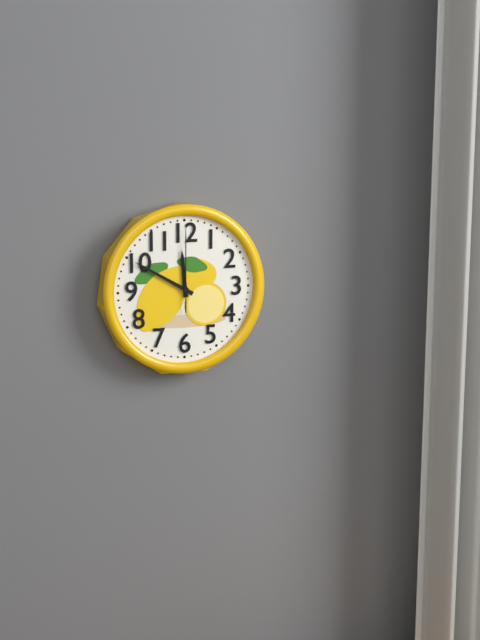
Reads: 11,50,00
